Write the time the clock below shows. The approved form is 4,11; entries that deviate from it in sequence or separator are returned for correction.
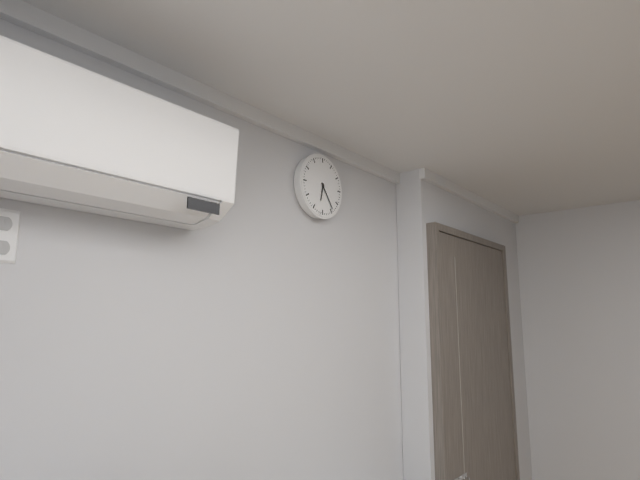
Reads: 6,24
